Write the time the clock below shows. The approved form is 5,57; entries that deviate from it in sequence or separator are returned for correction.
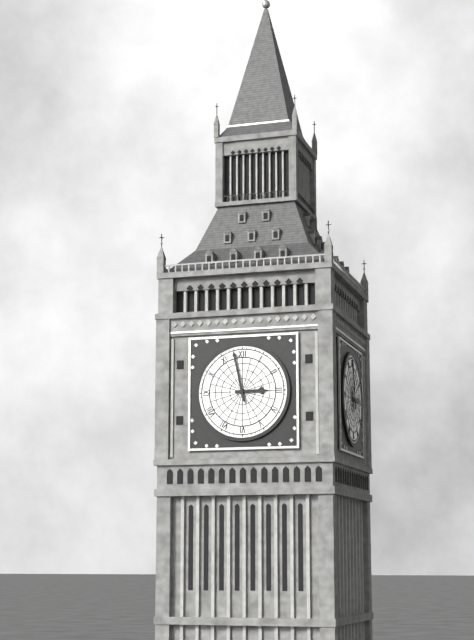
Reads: 2,58
